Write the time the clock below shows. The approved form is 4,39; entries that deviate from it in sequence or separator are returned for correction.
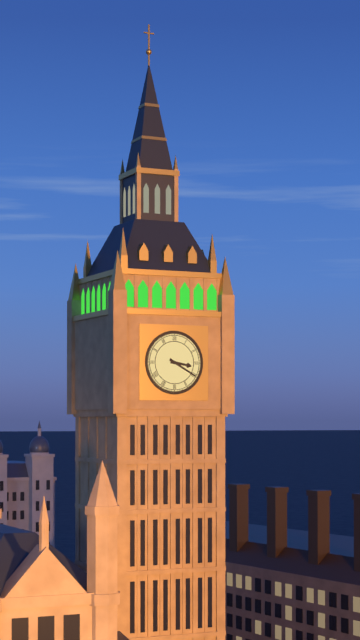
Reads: 3,20
